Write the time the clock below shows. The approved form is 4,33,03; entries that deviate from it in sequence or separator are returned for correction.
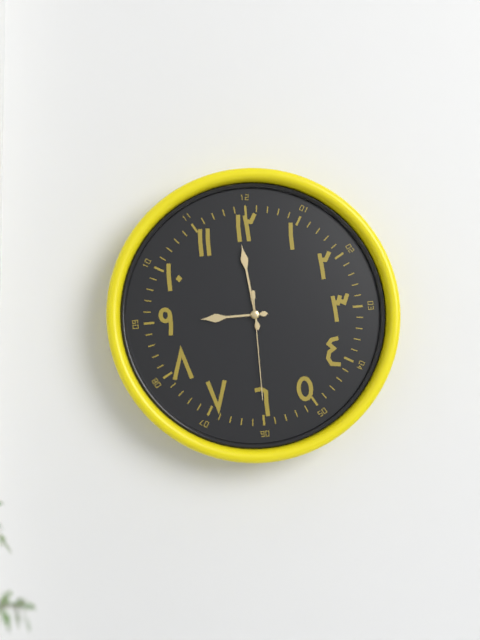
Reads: 8,59,30
